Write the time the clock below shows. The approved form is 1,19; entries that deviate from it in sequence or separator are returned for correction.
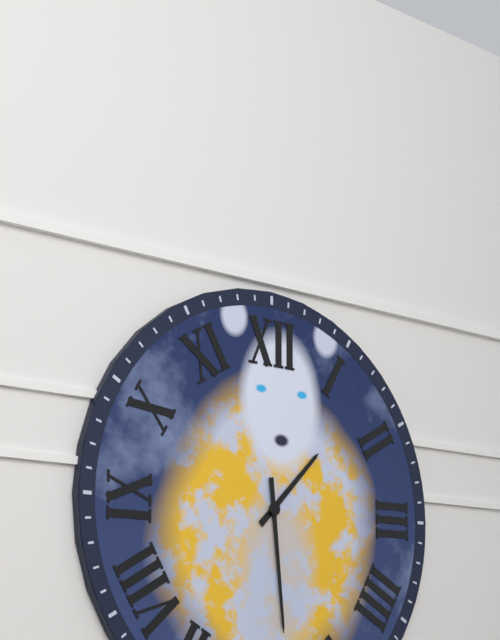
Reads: 1,29
